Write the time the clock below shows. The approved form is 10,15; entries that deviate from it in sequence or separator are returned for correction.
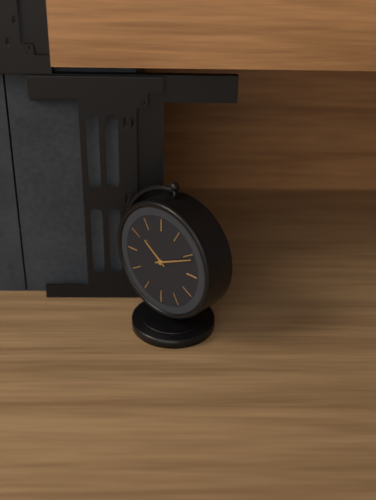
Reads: 10,11
